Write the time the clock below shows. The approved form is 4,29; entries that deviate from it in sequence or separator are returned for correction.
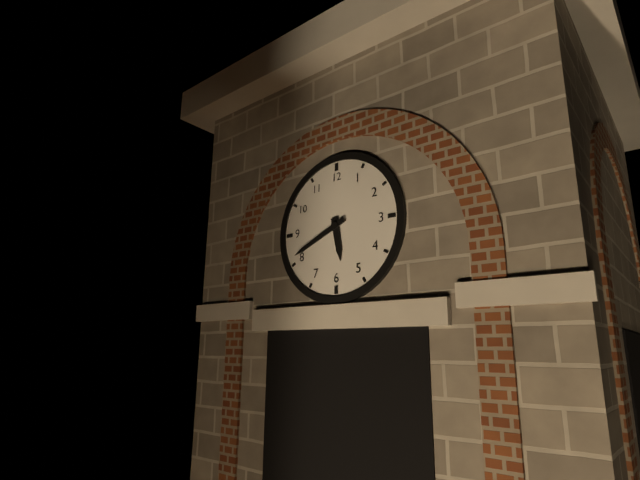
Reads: 5,41
